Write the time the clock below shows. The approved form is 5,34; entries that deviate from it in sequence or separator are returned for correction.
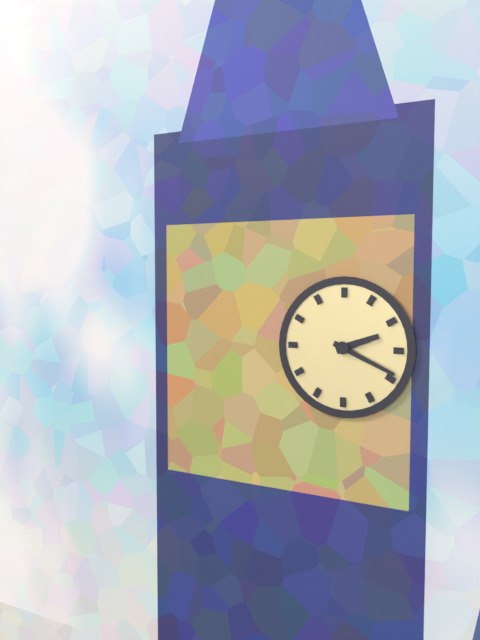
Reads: 2,19
